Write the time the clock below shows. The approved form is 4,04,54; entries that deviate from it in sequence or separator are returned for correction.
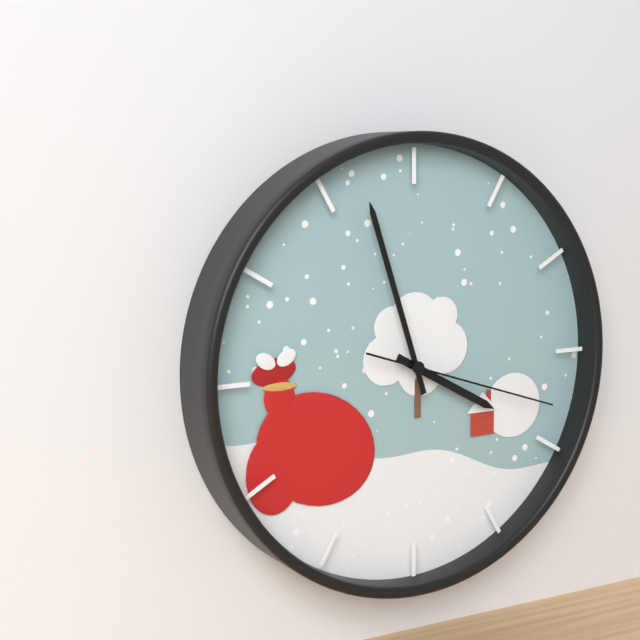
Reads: 3,57,18
